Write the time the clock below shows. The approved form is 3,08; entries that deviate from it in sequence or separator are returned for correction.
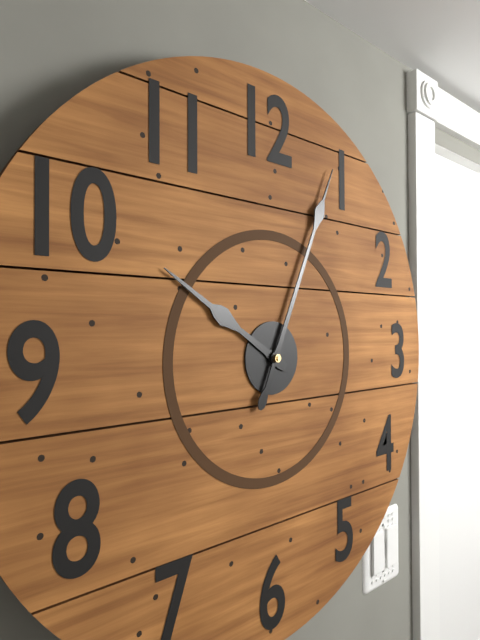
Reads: 10,04
